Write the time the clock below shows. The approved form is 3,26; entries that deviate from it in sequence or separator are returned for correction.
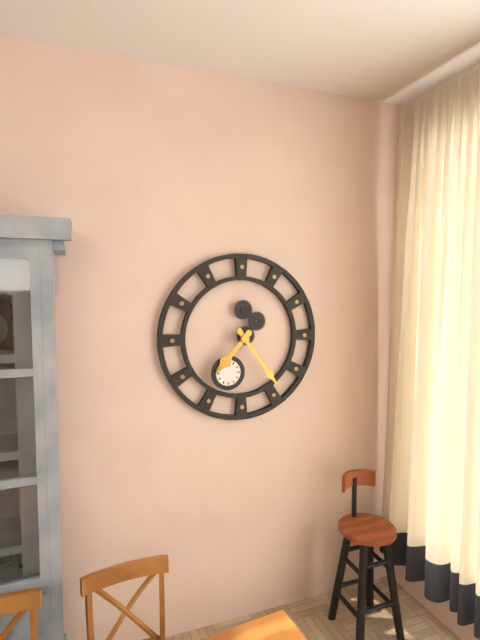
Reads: 7,24
